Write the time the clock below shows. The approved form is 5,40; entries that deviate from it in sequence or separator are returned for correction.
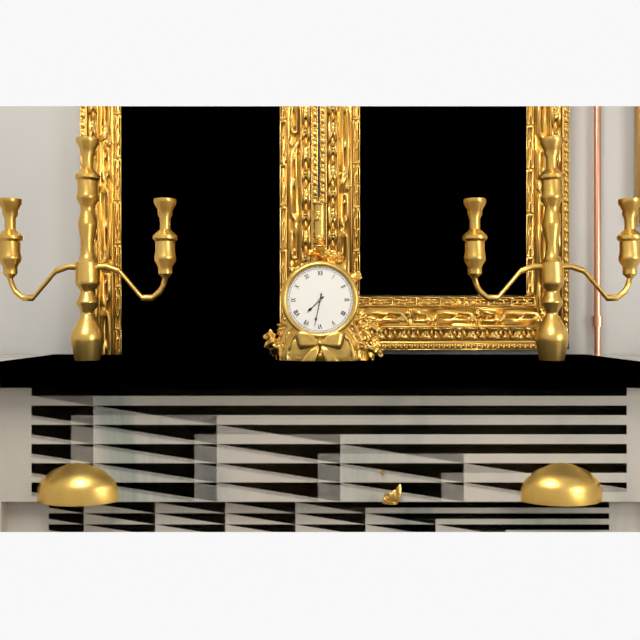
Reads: 7,32
